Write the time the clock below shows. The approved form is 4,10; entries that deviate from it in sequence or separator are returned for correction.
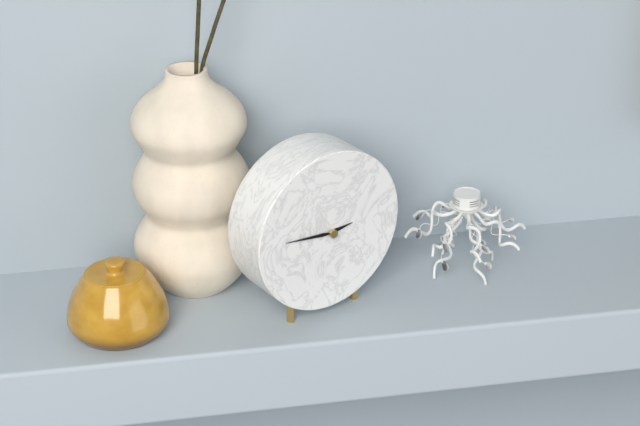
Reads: 2,46
